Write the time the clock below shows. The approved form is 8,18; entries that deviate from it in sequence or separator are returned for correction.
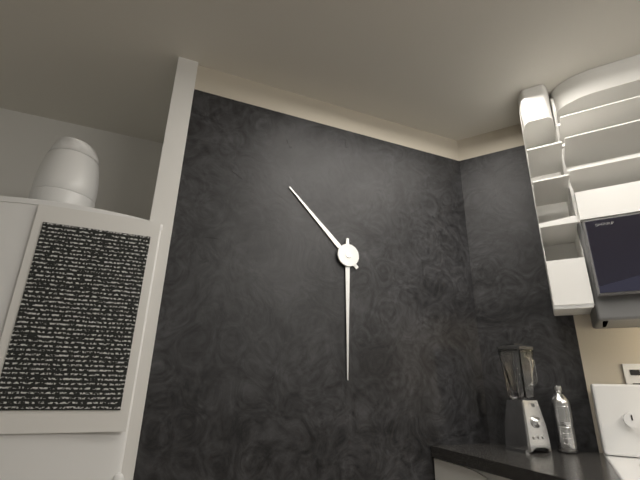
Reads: 10,30
